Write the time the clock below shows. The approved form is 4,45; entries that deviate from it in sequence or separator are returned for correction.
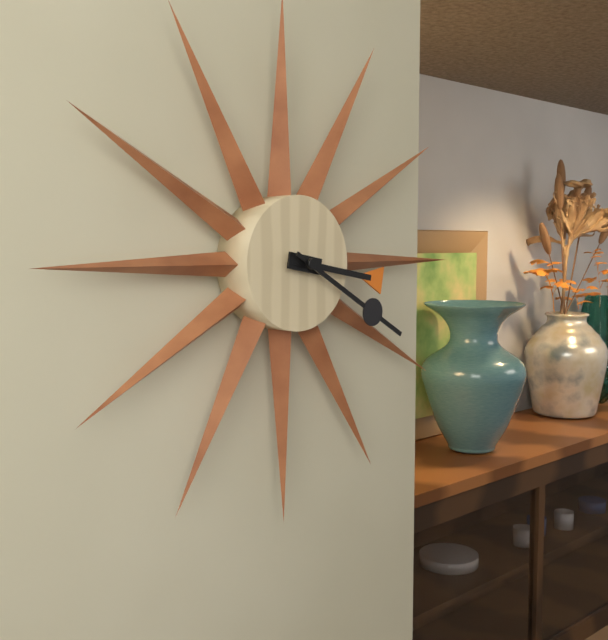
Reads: 3,20
